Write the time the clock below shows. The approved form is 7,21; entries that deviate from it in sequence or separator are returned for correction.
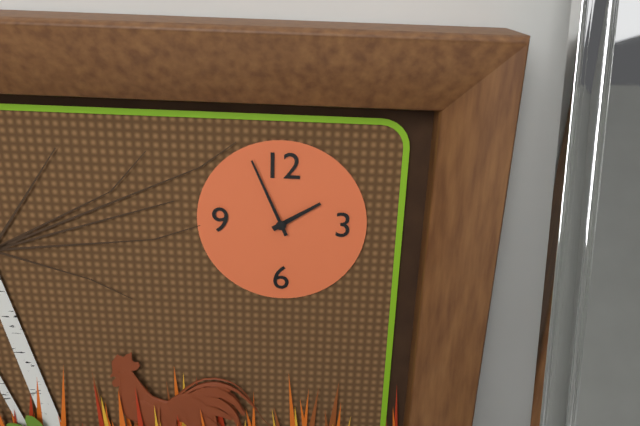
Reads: 1,56
